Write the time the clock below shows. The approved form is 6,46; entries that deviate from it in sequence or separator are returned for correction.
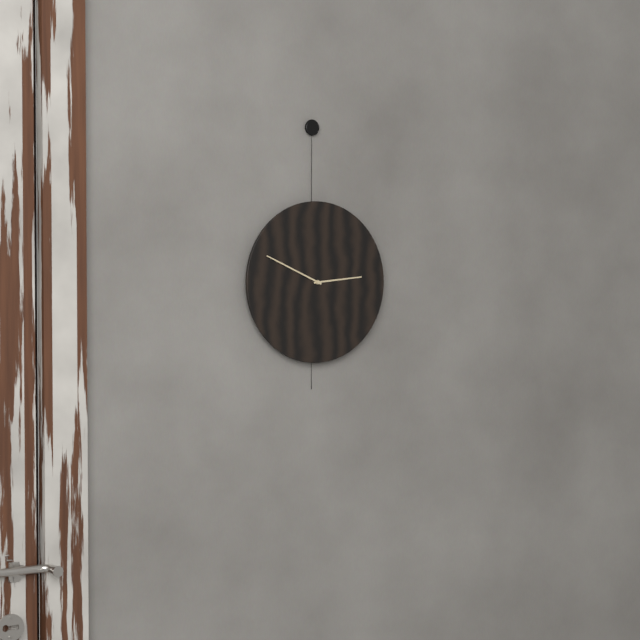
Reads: 2,49
